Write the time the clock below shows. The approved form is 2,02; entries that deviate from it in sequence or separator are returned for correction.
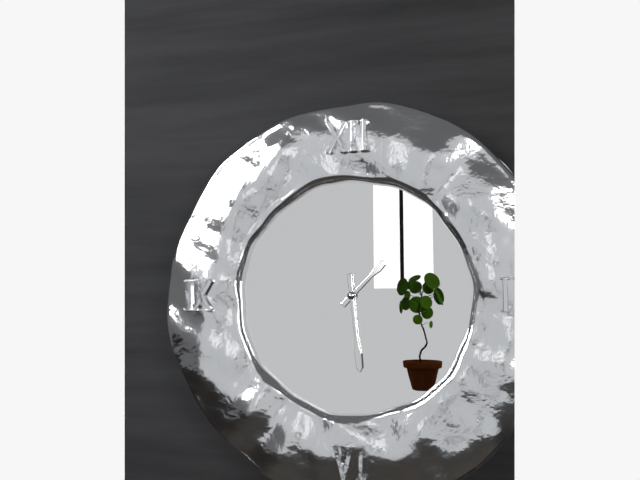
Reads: 1,29
